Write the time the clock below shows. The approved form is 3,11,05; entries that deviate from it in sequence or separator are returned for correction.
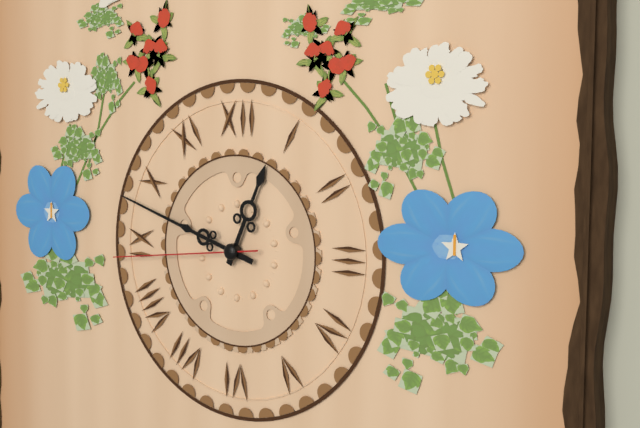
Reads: 12,48,44
